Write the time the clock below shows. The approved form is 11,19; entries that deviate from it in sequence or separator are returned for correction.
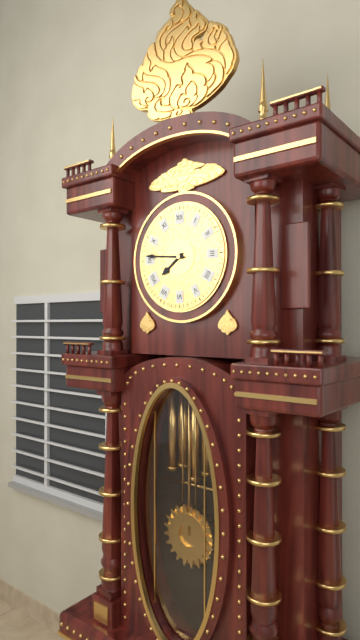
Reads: 7,46
